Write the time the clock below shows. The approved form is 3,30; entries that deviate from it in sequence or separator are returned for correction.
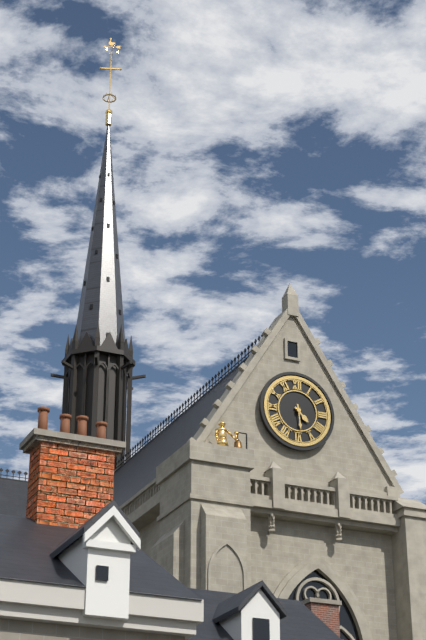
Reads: 4,29
